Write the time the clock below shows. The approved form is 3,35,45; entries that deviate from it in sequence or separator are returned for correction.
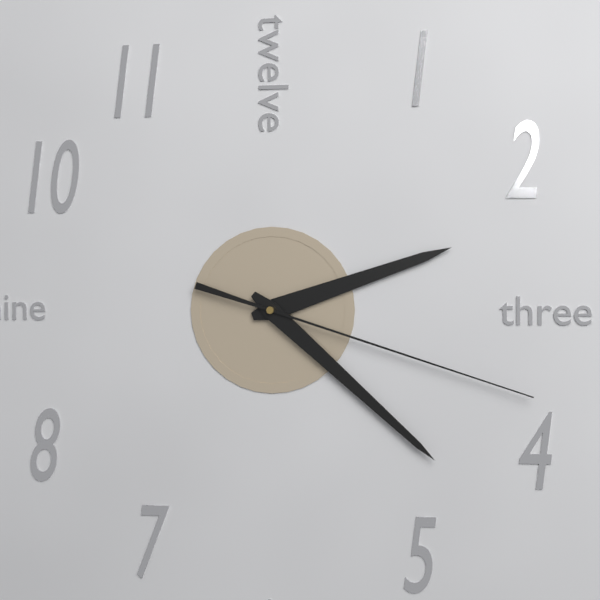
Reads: 2,22,18
